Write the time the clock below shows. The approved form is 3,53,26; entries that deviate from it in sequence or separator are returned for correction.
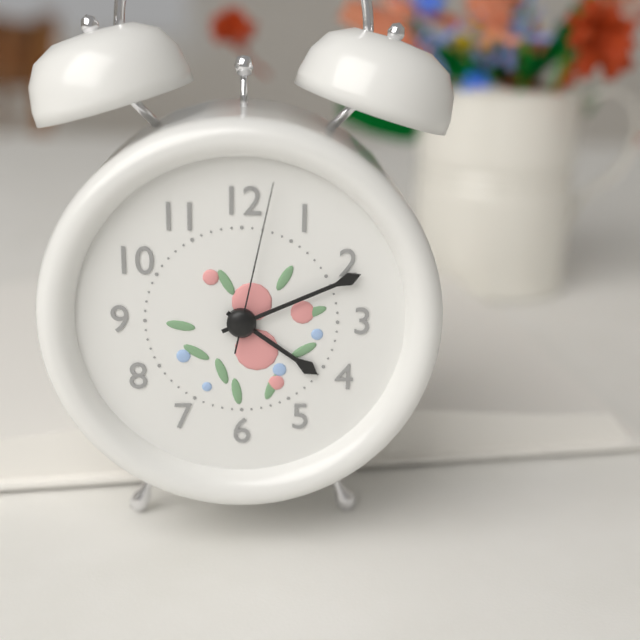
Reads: 4,11,02
